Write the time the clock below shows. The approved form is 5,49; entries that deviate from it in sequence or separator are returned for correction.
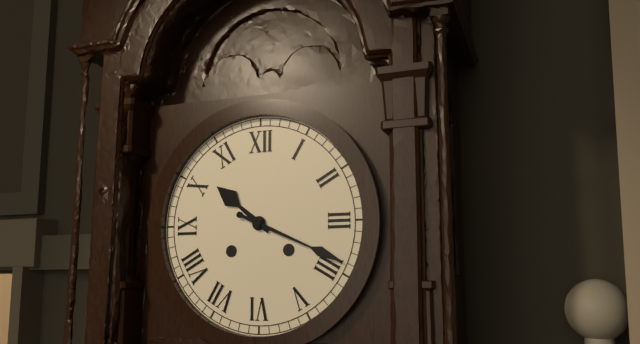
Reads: 10,19
